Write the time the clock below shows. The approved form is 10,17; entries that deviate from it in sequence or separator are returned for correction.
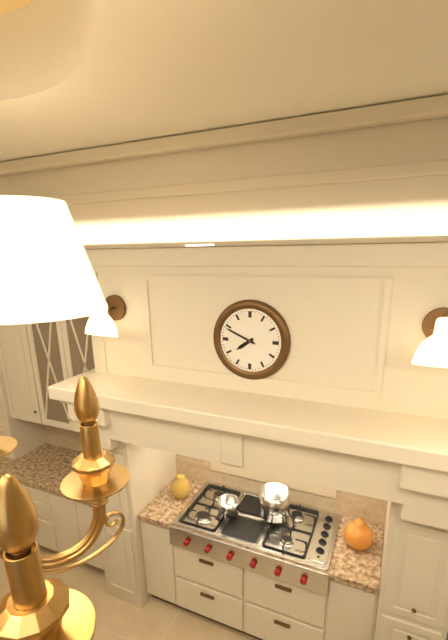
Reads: 7,49
